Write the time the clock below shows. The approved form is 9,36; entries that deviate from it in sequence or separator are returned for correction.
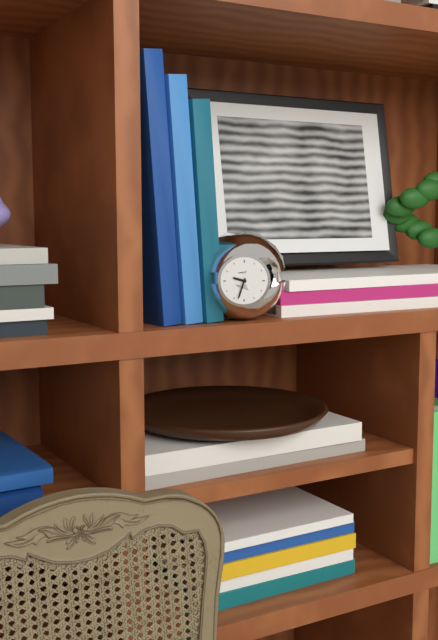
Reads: 9,33
